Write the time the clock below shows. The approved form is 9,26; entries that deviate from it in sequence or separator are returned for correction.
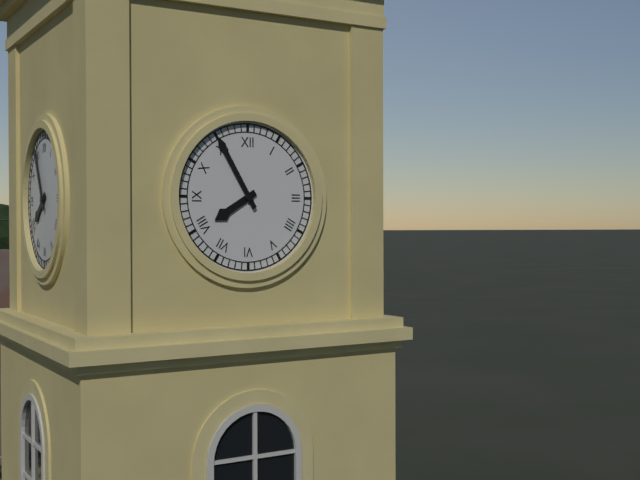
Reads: 7,55
